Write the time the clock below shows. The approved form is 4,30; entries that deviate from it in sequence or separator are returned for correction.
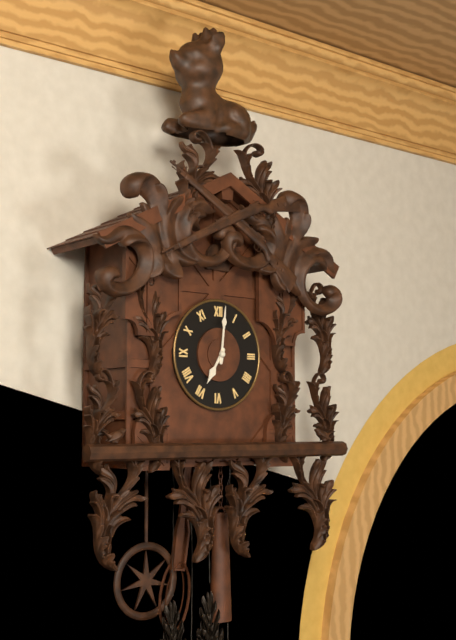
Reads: 7,01
